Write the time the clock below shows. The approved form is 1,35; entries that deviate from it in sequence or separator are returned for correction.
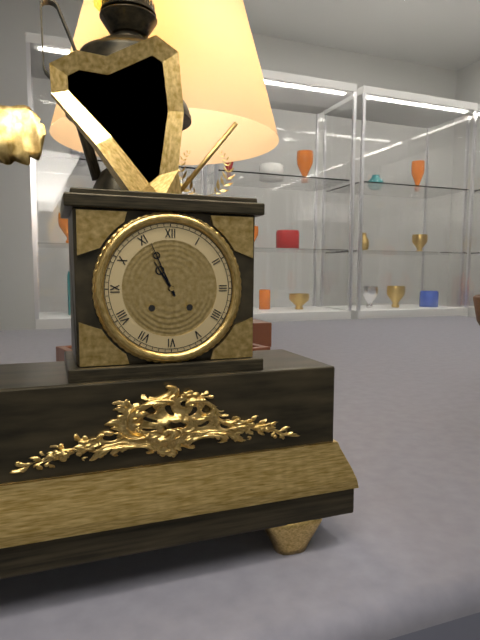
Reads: 10,56
